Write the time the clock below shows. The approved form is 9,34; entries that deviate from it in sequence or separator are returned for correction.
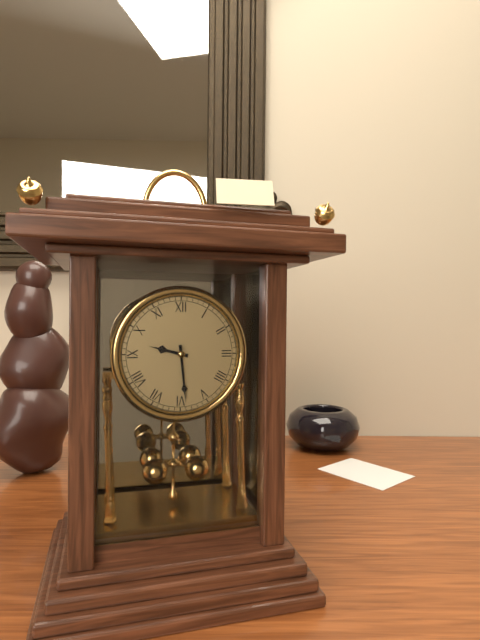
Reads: 9,29
